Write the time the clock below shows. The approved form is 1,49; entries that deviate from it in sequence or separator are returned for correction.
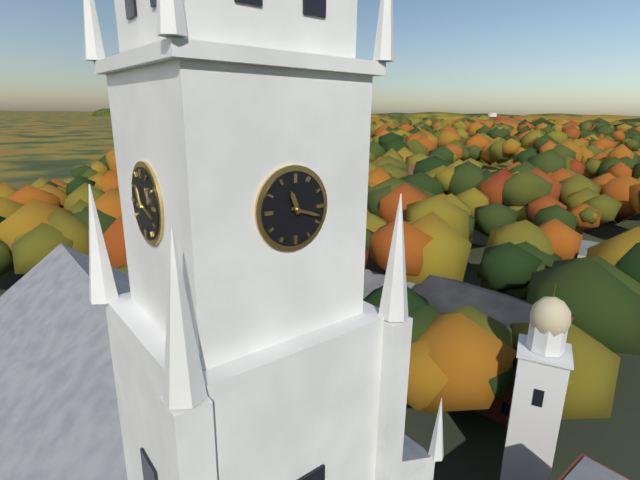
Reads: 11,18
